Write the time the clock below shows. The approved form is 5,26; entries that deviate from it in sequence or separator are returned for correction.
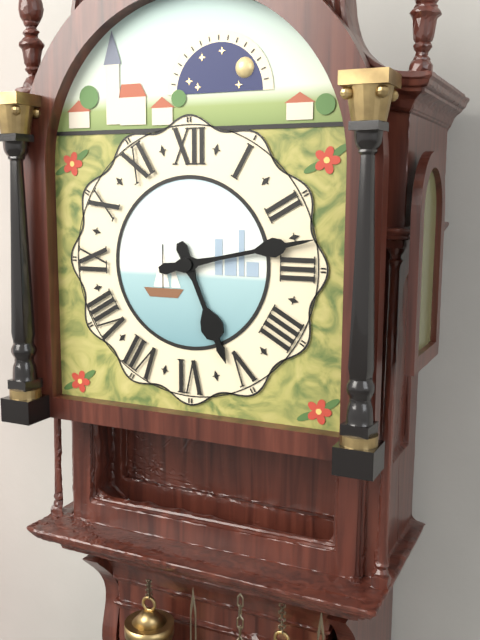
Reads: 5,13
